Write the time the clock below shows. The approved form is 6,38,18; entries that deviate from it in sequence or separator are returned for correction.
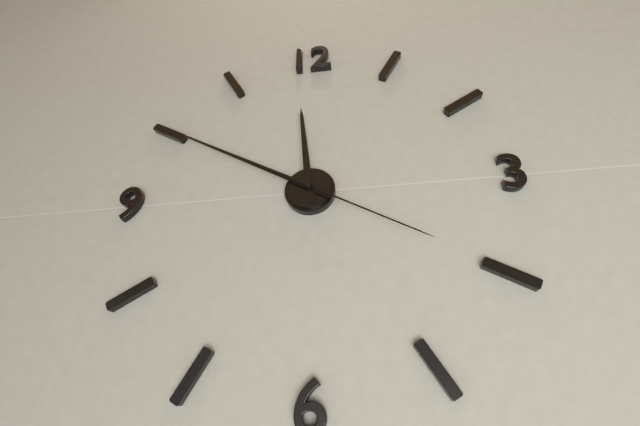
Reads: 11,50,20
